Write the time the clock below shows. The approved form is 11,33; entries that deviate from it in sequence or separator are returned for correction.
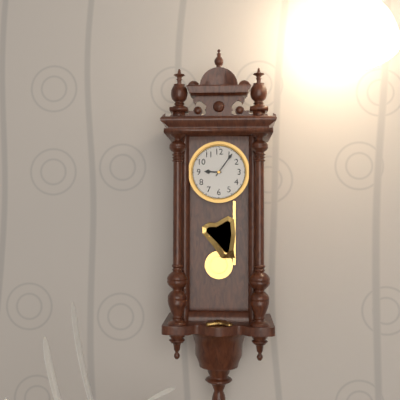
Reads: 9,06
